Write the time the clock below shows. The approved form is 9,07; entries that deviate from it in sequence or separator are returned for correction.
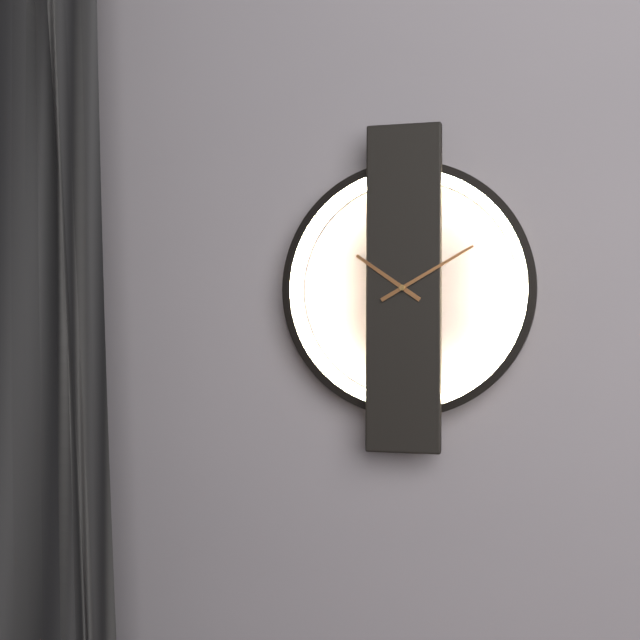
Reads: 10,10
